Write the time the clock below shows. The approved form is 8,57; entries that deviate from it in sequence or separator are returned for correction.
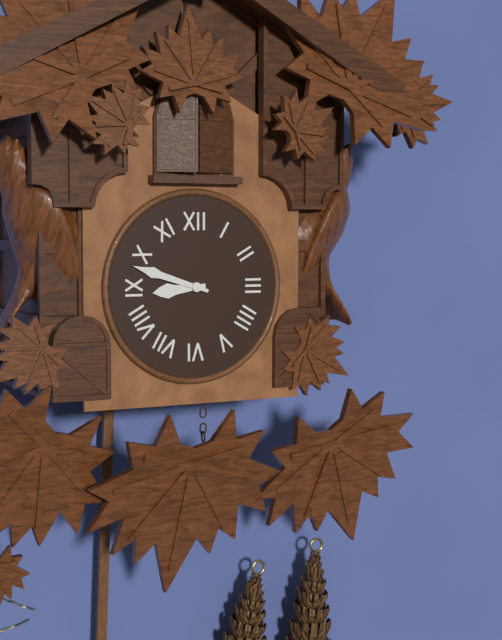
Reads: 8,48
